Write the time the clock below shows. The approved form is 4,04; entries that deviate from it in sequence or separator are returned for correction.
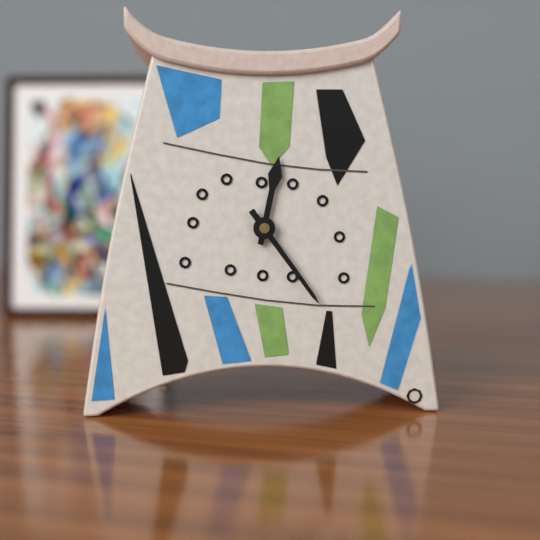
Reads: 12,24
